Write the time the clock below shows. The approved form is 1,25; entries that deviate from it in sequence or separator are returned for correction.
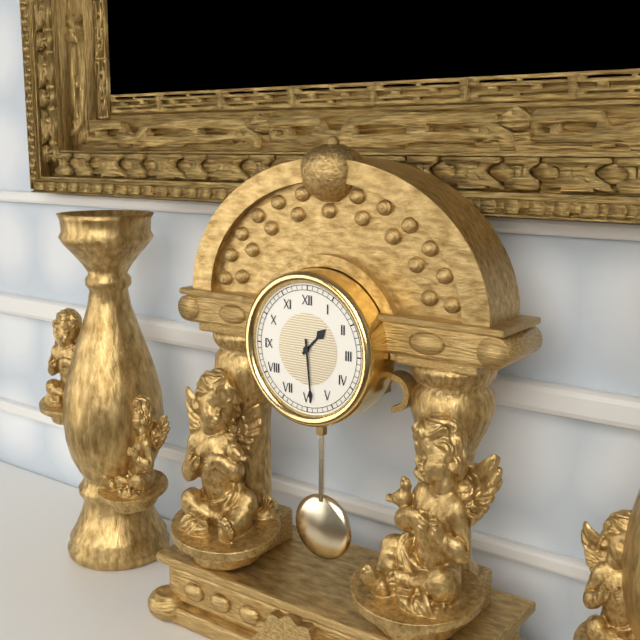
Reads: 1,29
